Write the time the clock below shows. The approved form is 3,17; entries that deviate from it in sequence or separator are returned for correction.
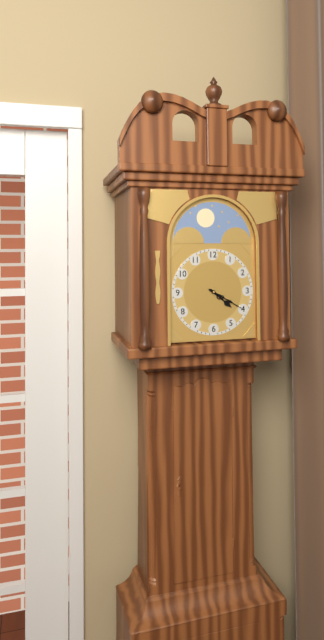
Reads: 4,20
